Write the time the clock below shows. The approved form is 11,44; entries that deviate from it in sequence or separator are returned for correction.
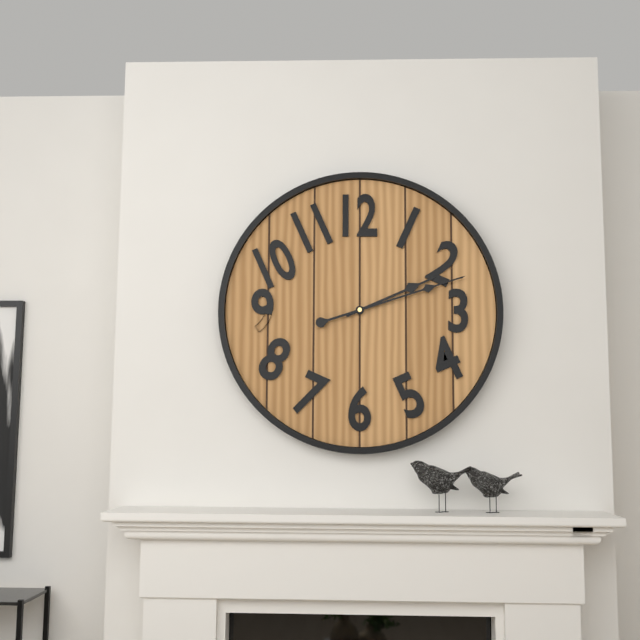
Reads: 2,12
